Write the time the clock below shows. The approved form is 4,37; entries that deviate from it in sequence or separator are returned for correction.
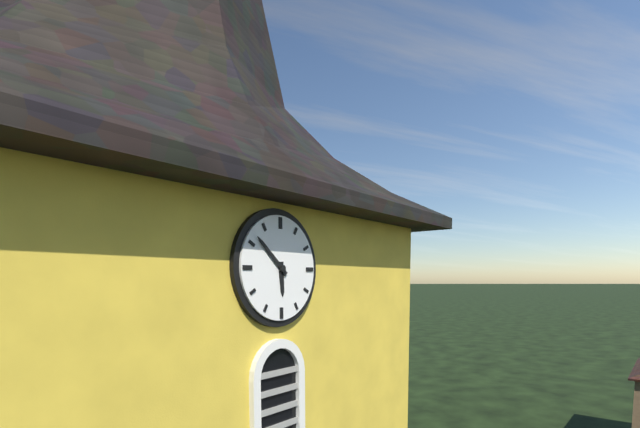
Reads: 5,52
